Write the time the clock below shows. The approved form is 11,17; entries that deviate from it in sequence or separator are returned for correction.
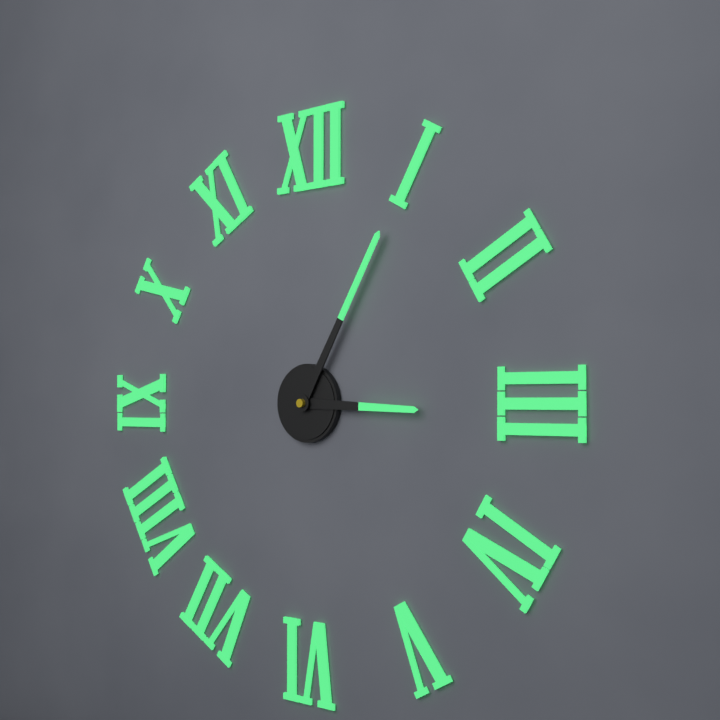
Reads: 3,05
